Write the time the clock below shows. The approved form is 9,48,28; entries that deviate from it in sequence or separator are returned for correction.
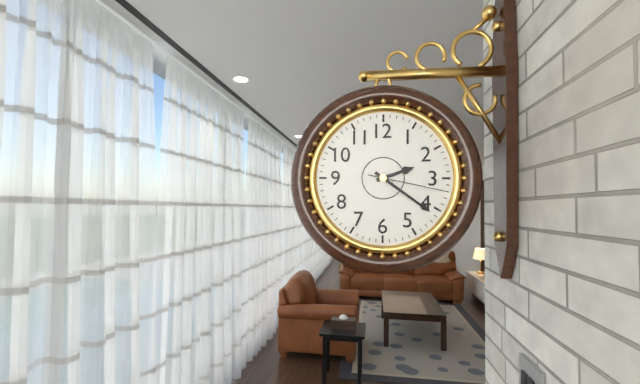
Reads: 2,21,17
